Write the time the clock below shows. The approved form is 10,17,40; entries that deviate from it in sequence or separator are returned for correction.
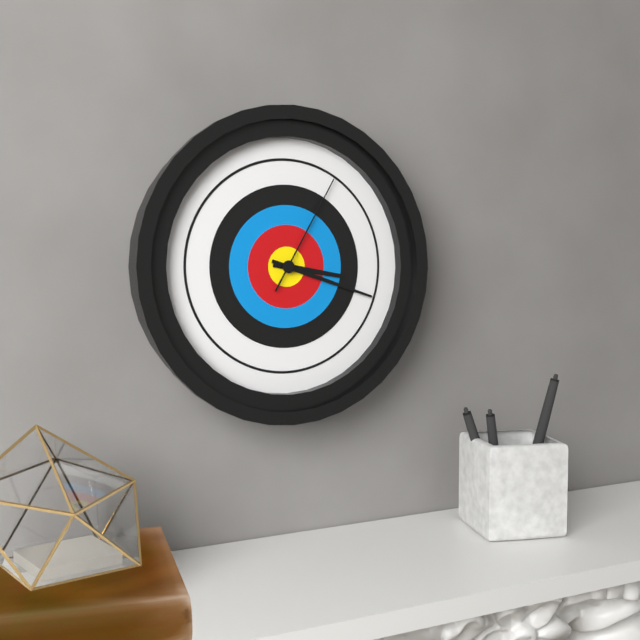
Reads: 3,18,05
